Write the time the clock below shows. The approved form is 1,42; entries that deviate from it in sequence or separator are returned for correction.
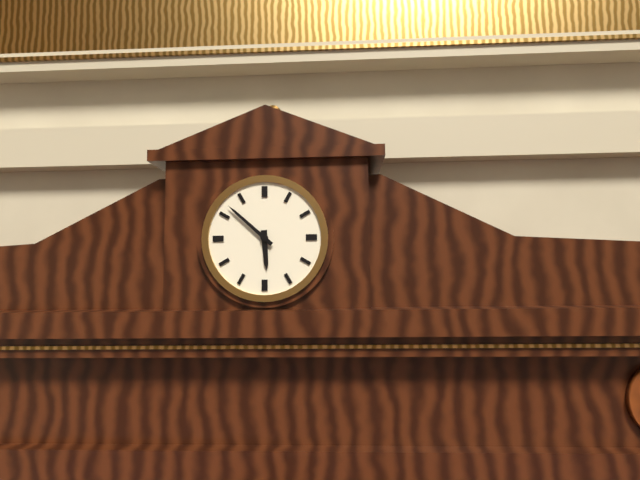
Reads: 5,52
